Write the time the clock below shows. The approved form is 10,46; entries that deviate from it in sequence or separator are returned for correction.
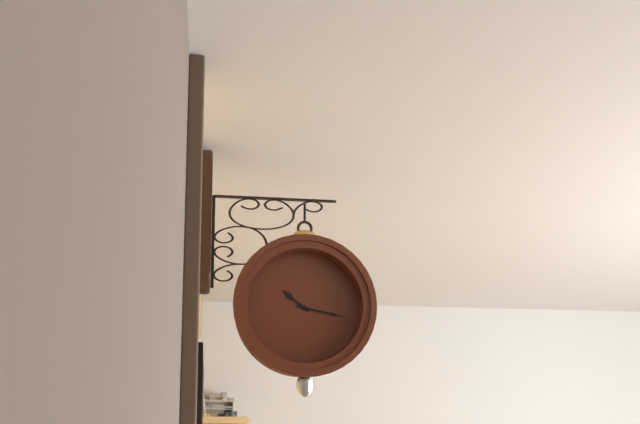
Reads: 10,17
